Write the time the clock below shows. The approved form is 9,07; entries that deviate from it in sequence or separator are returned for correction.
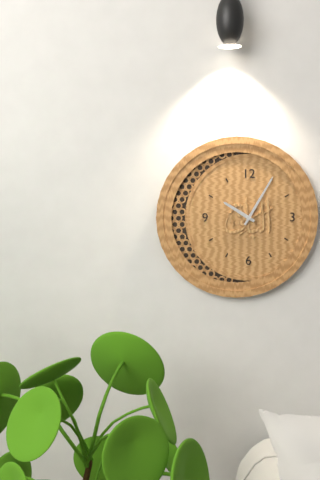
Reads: 10,05
